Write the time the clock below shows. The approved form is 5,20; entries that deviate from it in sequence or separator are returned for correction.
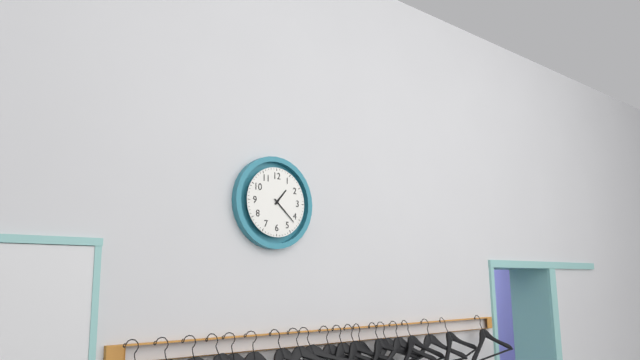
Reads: 1,22
